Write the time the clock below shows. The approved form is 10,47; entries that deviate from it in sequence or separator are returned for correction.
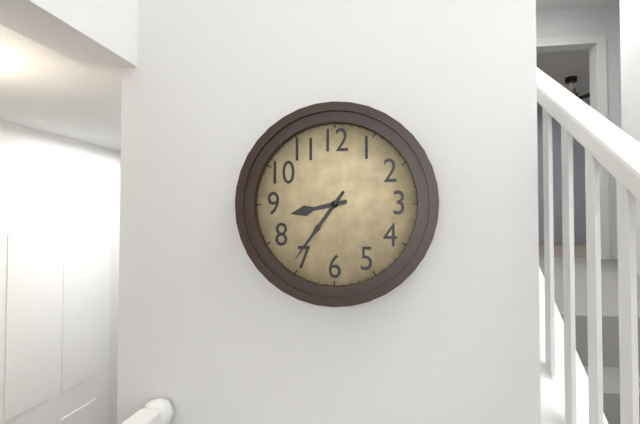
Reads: 8,36
